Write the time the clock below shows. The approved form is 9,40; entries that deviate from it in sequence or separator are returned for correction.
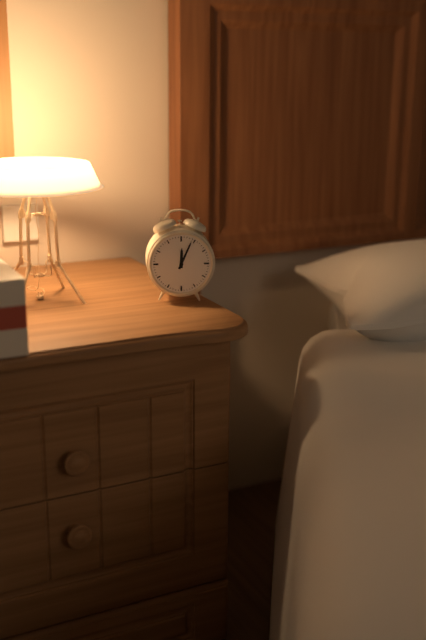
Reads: 12,04
